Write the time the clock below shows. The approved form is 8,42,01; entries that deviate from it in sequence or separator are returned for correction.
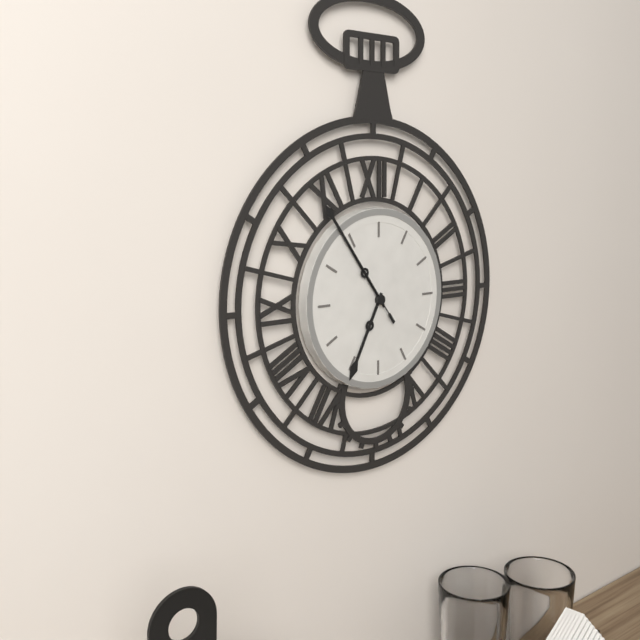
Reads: 6,54,54
